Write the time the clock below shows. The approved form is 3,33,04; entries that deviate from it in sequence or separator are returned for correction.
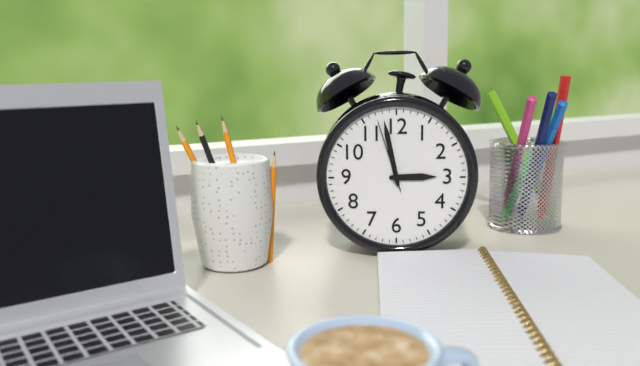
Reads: 2,58,57
